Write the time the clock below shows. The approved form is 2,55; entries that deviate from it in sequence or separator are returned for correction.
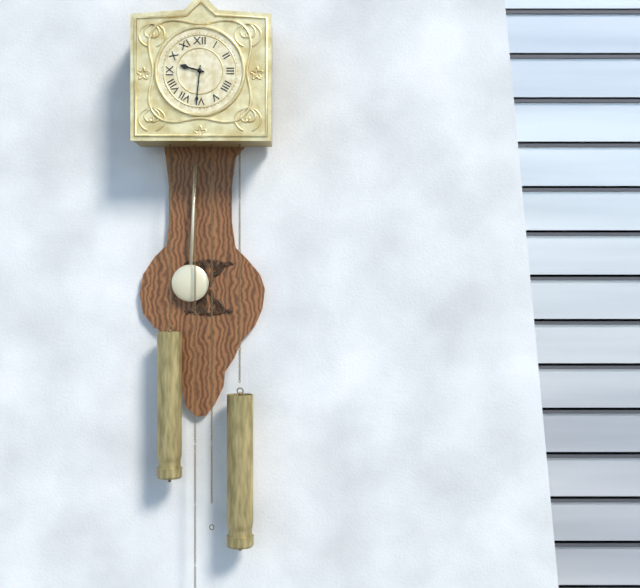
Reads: 9,31
